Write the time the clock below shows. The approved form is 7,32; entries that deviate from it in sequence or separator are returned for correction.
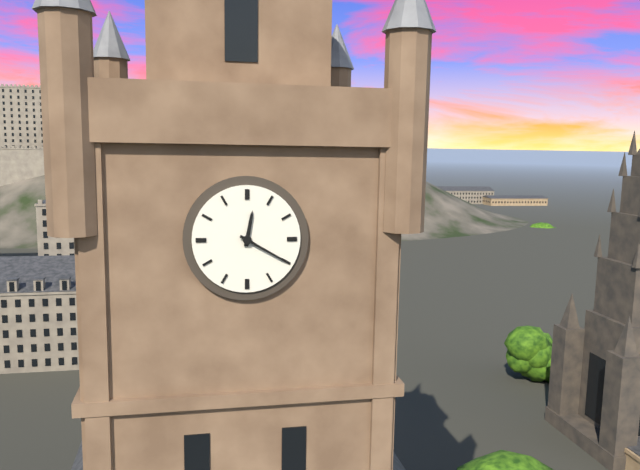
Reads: 12,20
